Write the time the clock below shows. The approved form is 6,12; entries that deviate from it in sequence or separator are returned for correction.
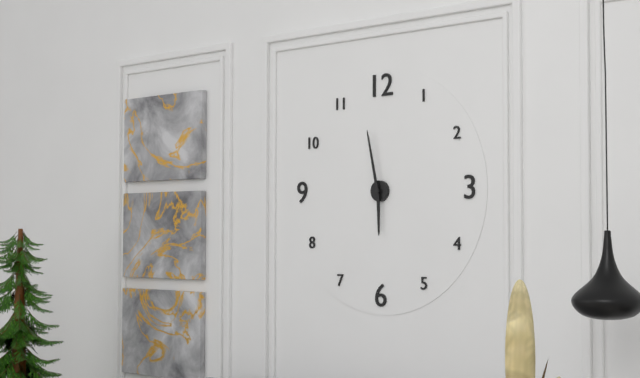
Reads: 5,58
